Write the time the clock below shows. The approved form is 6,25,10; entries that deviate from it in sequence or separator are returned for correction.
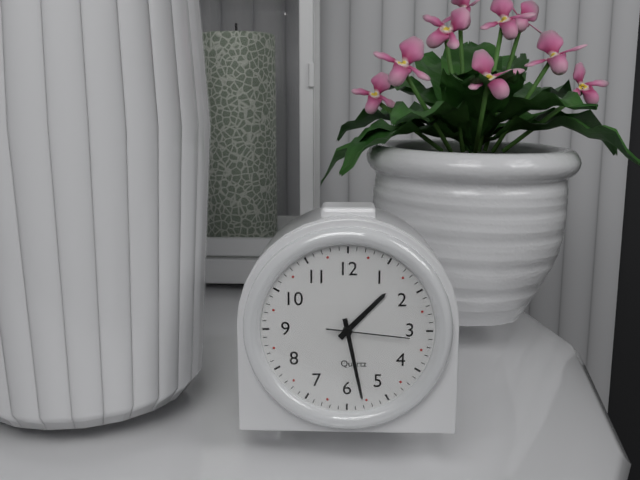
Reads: 1,28,16
